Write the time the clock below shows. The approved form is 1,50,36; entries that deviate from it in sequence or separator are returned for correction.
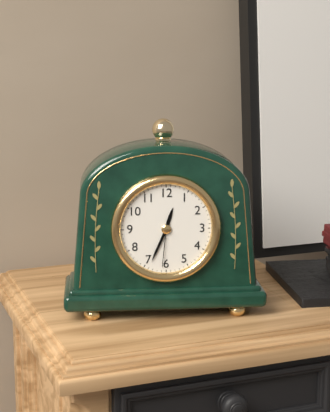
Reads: 12,34,31
